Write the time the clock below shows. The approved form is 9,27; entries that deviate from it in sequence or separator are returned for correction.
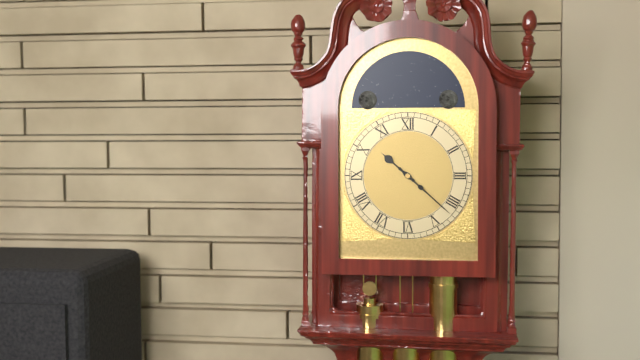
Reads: 10,22
